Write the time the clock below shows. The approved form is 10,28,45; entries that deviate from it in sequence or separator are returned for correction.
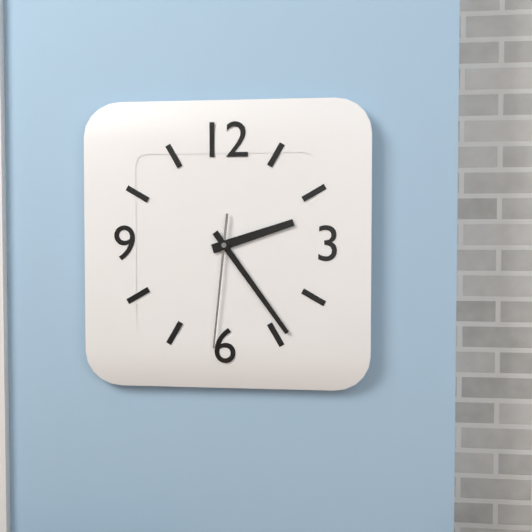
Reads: 2,24,31
